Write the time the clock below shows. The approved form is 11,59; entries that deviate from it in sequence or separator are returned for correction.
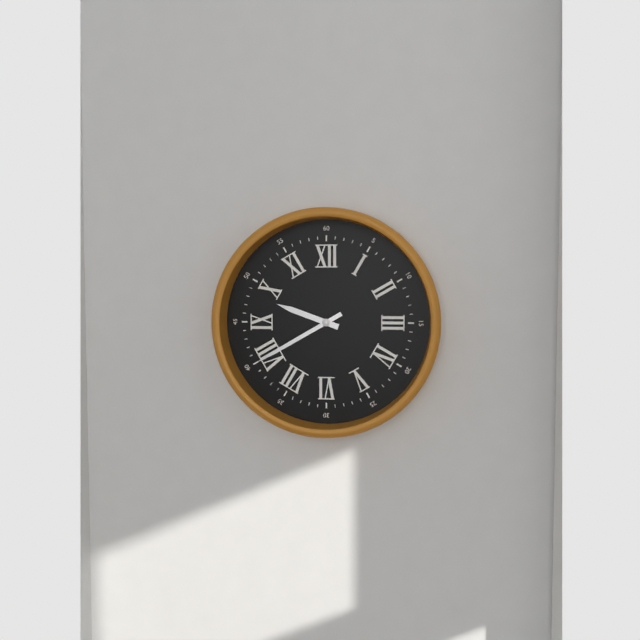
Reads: 9,40
